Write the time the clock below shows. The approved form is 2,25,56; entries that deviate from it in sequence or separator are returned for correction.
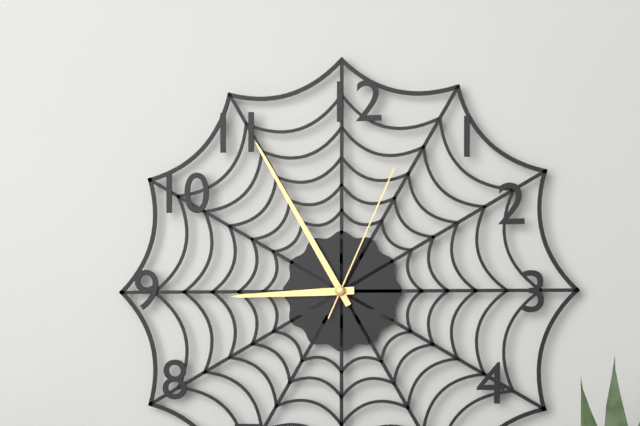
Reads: 8,55,04
